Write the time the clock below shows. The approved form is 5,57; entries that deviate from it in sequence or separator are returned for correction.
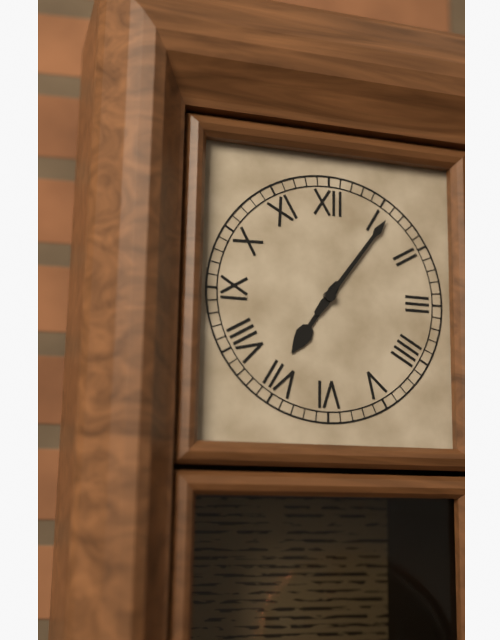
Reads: 7,06
